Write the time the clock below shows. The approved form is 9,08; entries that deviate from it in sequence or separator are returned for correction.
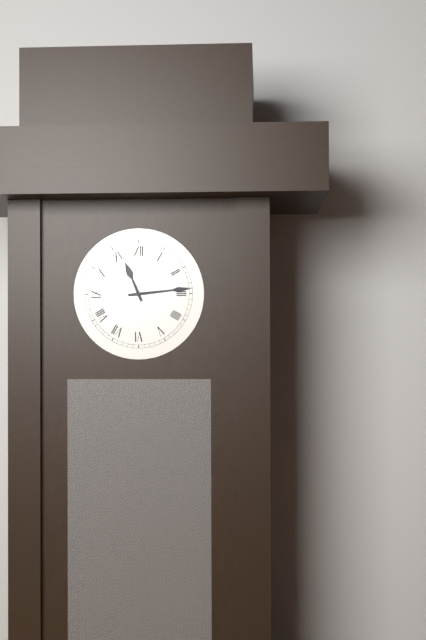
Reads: 11,14
